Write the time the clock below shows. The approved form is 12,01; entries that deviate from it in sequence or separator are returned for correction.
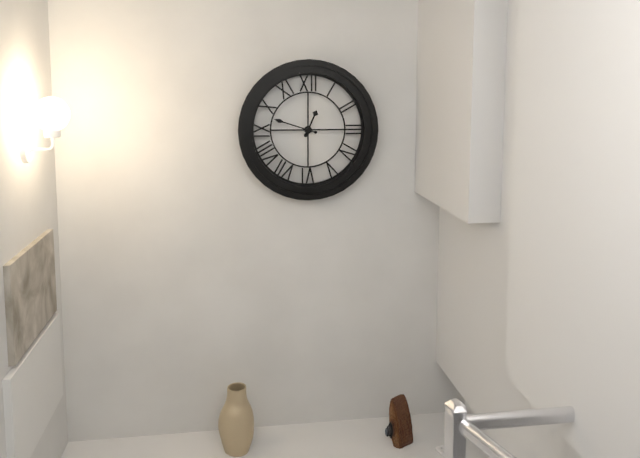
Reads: 12,48
